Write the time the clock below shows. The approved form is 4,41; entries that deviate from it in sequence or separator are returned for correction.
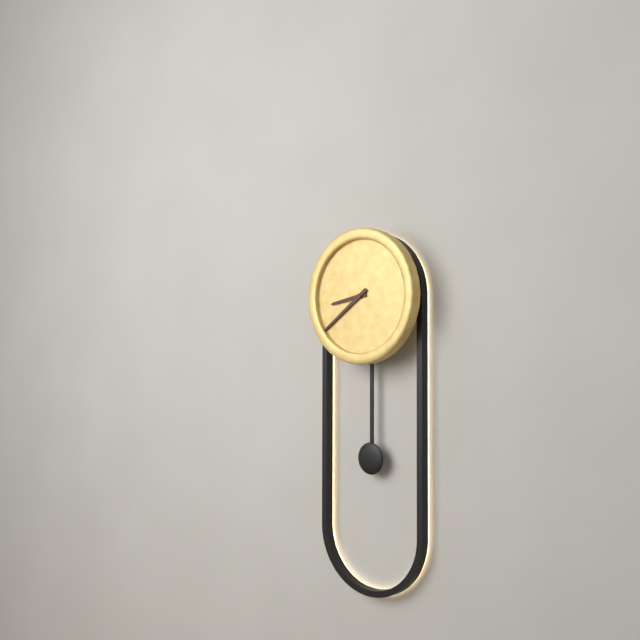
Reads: 8,39
